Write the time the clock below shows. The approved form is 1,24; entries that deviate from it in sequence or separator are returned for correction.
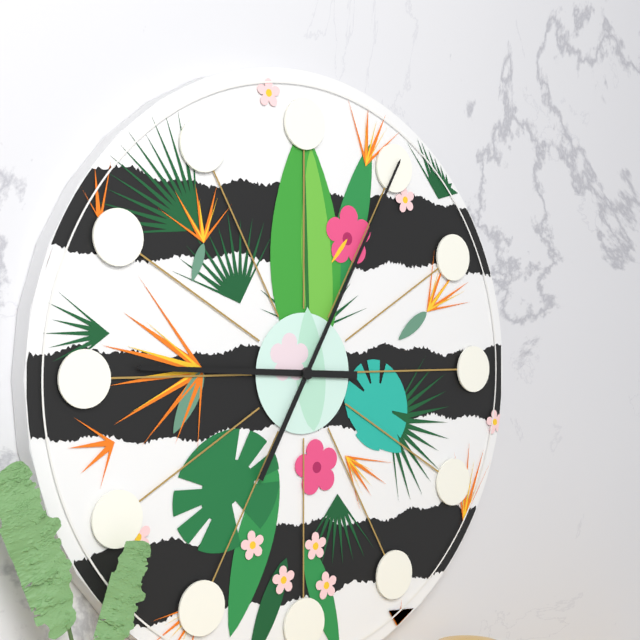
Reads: 9,05
